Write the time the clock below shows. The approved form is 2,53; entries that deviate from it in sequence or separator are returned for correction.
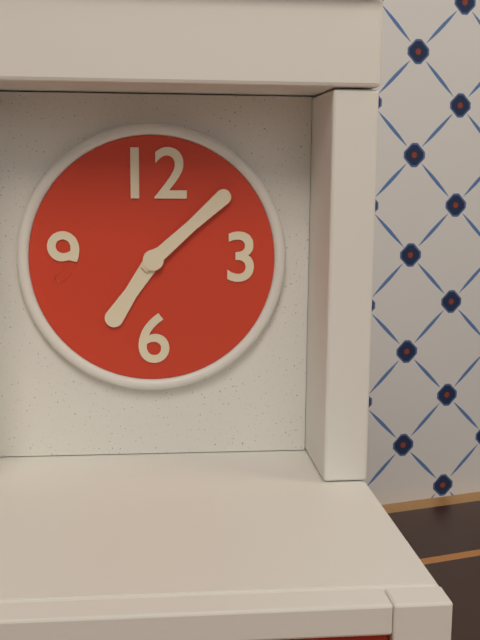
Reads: 7,08
